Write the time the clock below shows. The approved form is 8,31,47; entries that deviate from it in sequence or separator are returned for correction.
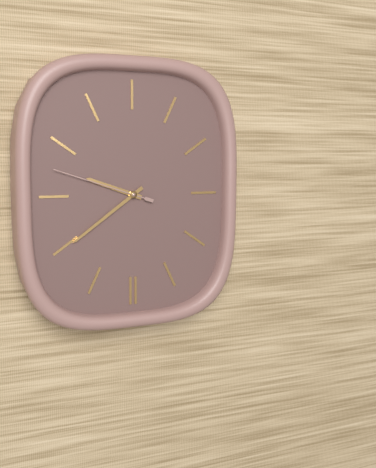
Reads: 9,39,48
